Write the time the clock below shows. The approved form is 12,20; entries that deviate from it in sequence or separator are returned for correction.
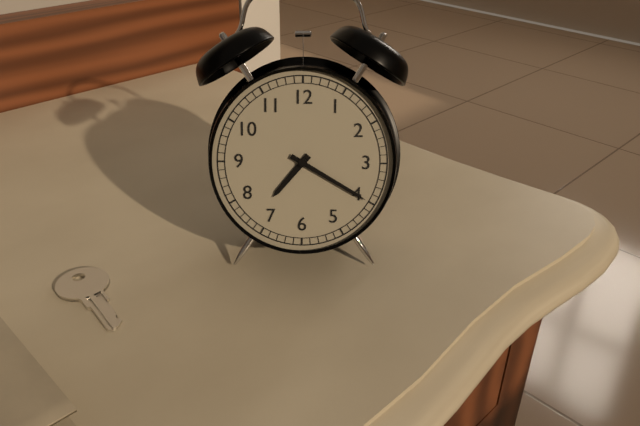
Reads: 7,20
